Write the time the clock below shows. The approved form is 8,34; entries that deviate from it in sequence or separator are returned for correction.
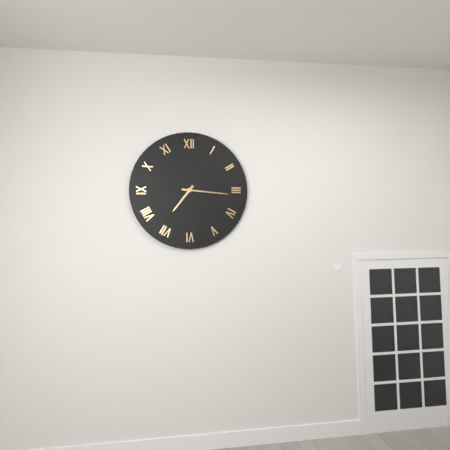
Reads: 7,16
